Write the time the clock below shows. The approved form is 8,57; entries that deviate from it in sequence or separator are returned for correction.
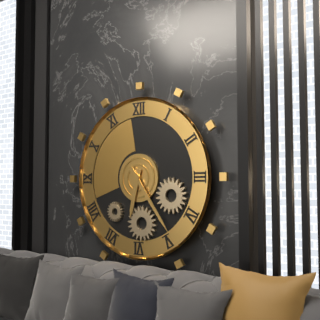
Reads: 6,24
